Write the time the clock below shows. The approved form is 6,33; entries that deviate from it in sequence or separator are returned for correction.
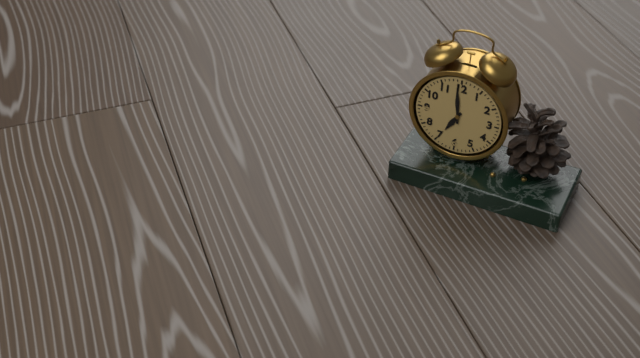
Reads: 6,59
